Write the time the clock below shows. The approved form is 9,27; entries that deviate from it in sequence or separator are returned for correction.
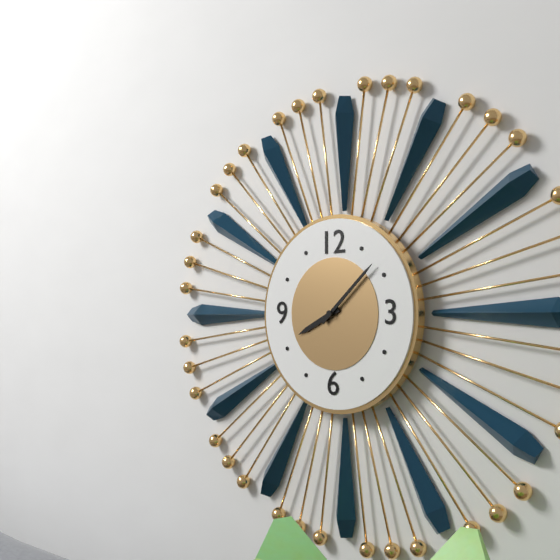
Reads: 8,08
